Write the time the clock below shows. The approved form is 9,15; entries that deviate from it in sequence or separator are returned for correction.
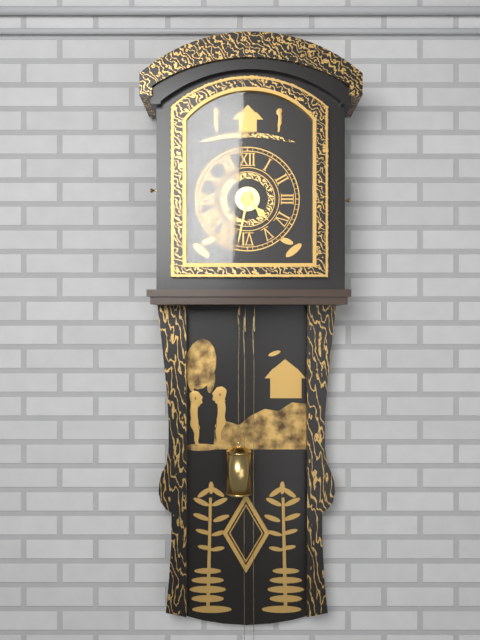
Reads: 4,32
